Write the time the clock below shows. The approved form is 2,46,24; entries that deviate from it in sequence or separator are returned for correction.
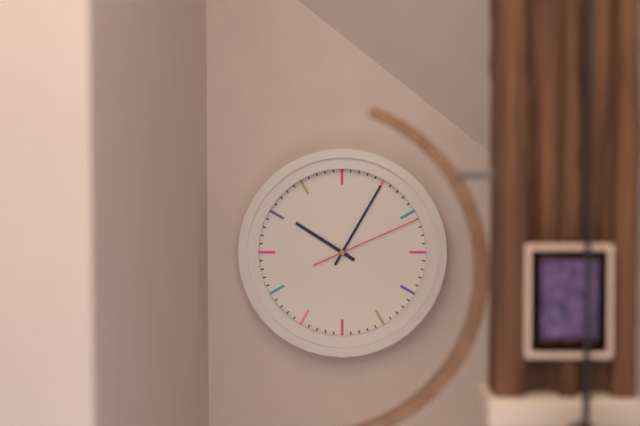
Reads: 10,05,11
